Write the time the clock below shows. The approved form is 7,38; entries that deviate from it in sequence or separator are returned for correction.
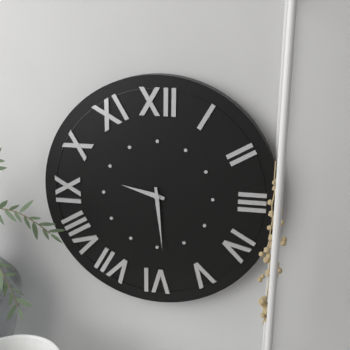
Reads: 9,29
